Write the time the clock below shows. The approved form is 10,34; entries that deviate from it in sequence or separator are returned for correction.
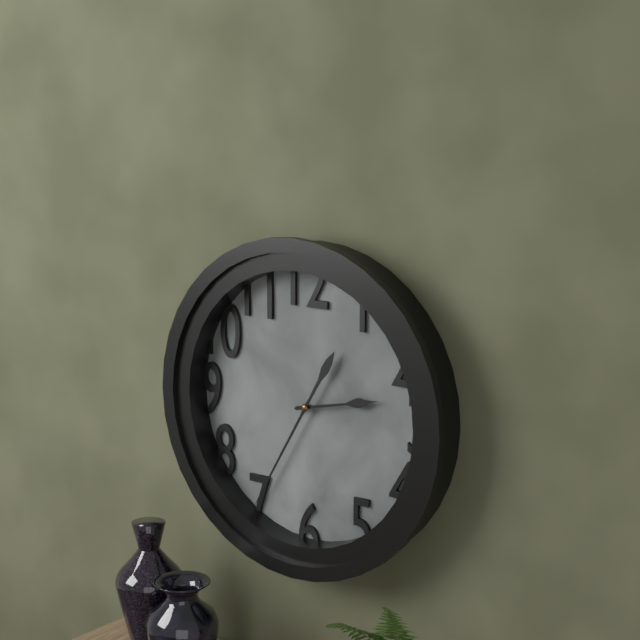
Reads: 2,35
